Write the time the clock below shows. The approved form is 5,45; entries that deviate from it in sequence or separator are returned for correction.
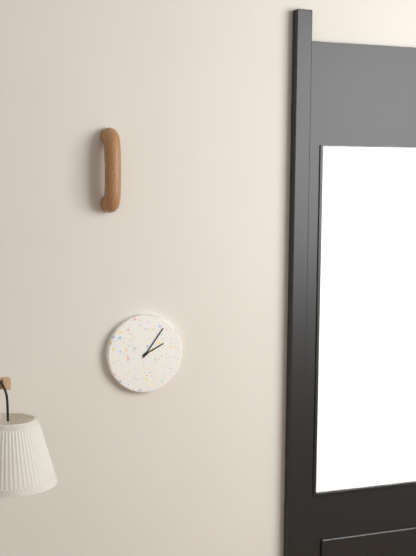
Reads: 2,06
